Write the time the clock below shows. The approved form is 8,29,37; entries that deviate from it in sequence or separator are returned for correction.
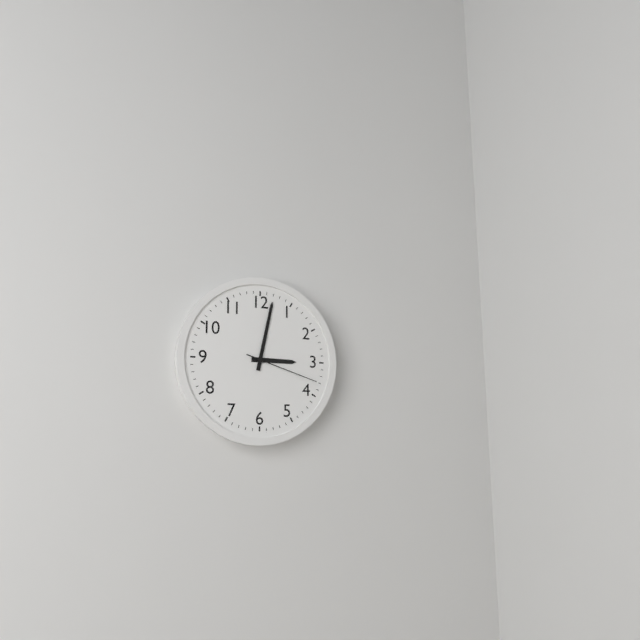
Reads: 3,02,18
